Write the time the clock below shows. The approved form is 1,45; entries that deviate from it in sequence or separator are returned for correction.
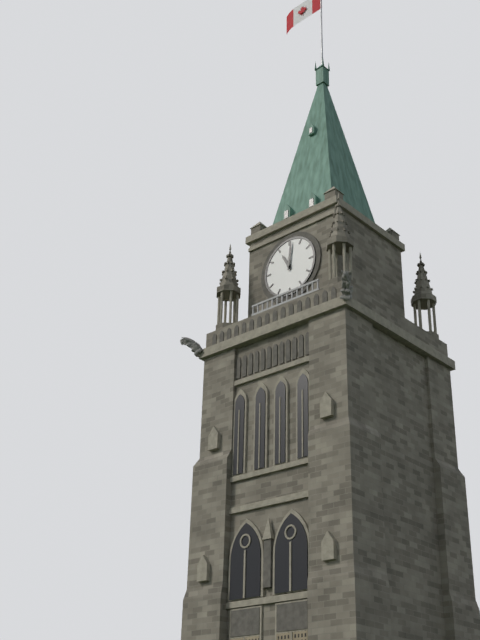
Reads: 11,01
